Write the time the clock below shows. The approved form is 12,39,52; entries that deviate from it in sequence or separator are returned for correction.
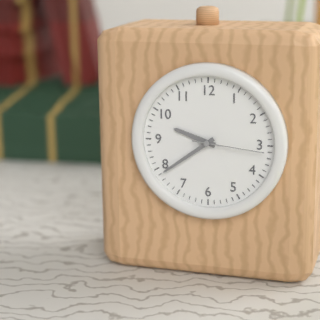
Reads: 9,39,16
